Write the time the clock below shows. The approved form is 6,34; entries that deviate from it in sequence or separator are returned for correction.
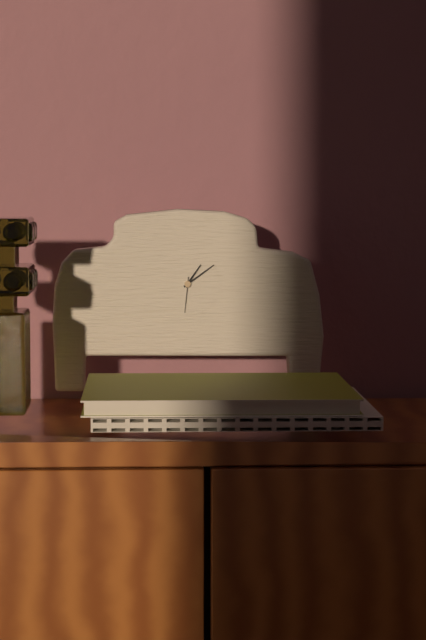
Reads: 1,09
